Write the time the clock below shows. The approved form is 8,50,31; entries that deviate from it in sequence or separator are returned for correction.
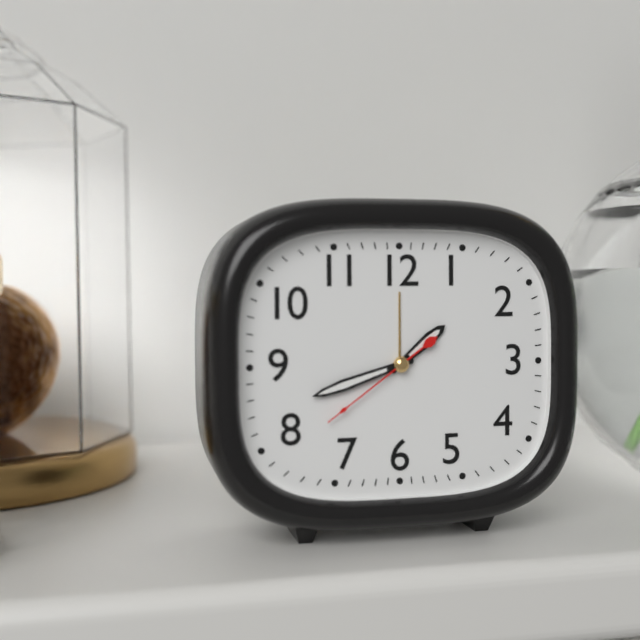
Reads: 1,42,39
